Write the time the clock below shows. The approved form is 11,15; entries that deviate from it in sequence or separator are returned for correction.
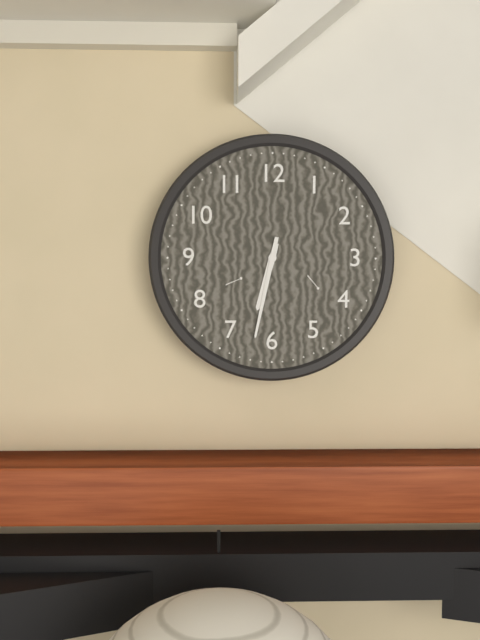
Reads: 6,32
